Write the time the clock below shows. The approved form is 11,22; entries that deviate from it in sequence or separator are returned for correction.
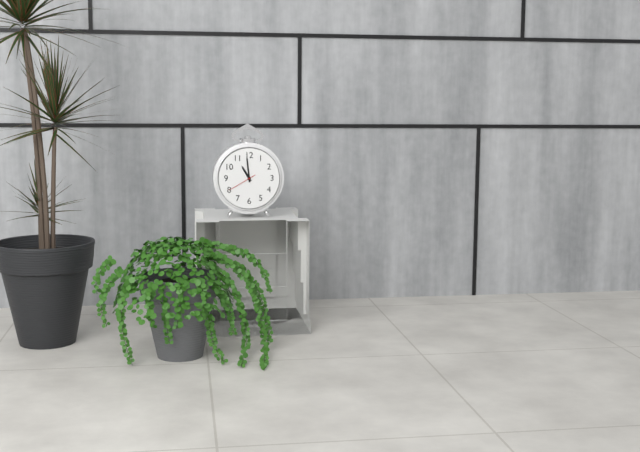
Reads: 10,59
